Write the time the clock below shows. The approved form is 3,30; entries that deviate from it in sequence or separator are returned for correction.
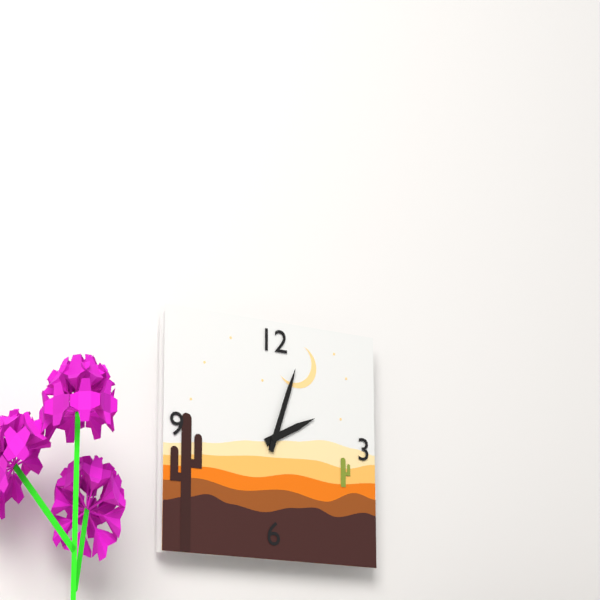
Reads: 2,03
